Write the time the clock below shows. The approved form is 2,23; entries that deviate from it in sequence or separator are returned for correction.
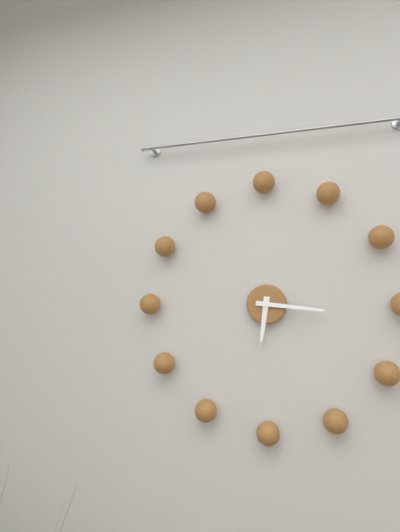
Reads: 6,16
